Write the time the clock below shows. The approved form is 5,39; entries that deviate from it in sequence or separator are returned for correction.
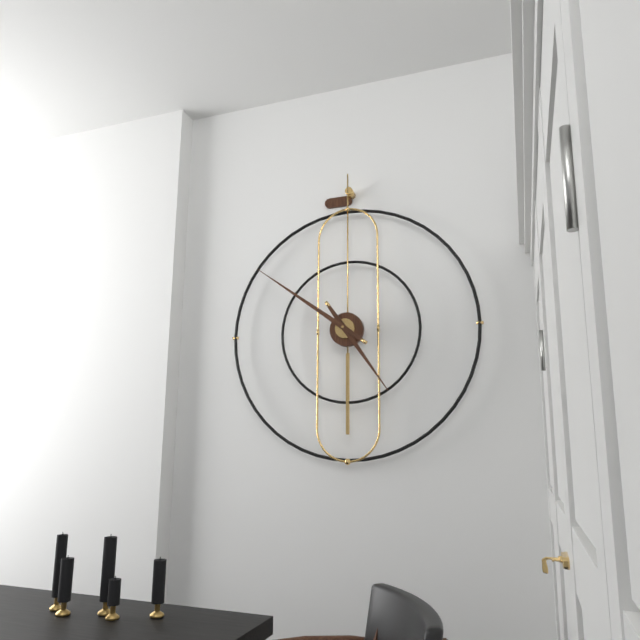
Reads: 4,51
